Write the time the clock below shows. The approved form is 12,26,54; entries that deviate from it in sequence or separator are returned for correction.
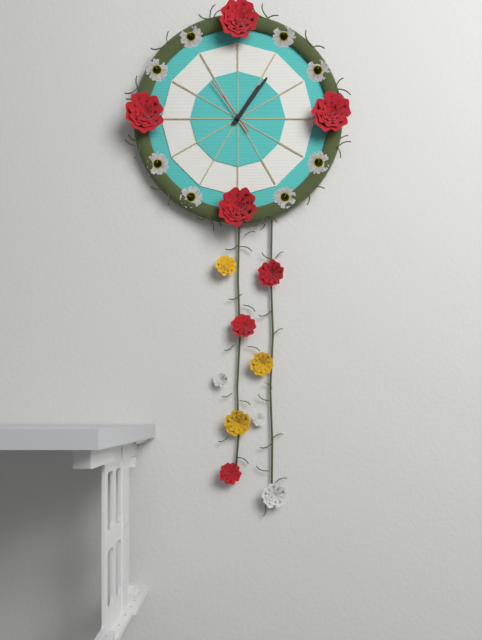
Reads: 1,06,54
